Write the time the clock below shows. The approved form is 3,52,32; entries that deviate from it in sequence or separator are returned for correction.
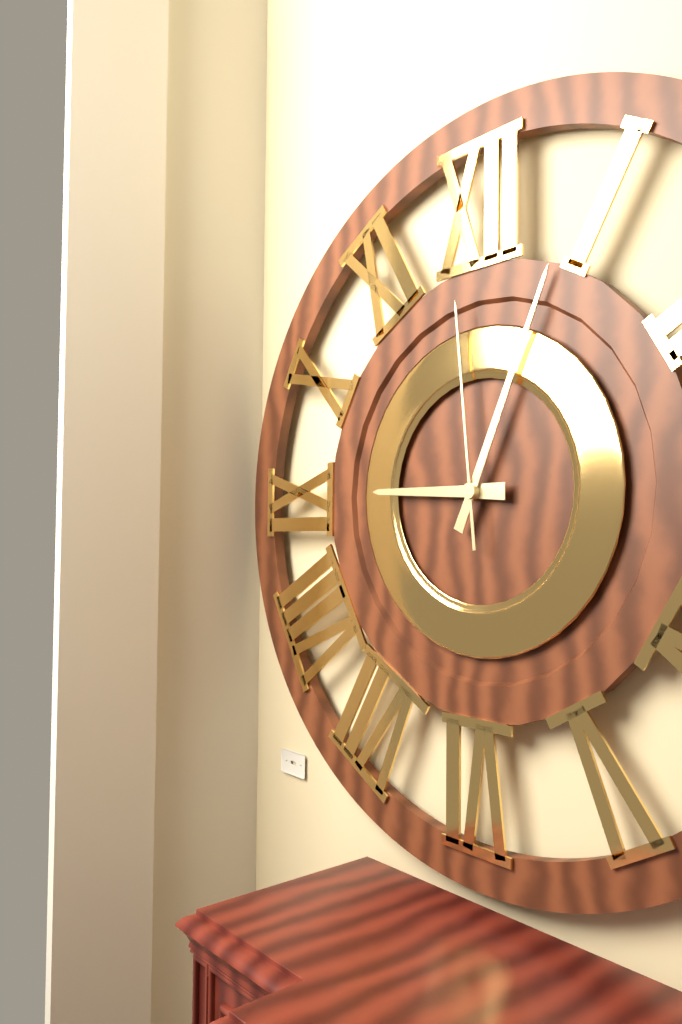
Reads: 9,04,59
